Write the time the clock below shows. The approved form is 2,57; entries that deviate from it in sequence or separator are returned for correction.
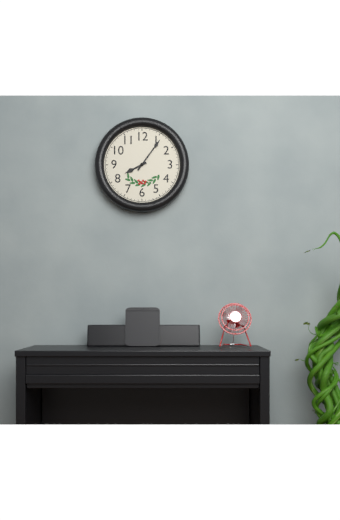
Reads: 8,06
